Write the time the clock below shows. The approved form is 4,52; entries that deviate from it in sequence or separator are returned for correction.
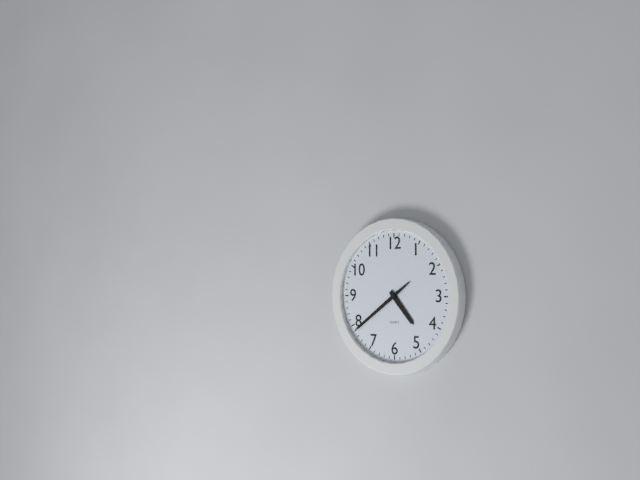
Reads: 4,39
